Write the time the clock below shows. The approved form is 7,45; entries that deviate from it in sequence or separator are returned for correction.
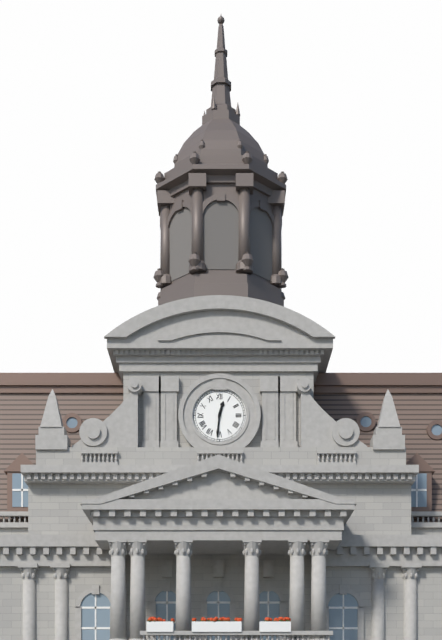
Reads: 12,31
